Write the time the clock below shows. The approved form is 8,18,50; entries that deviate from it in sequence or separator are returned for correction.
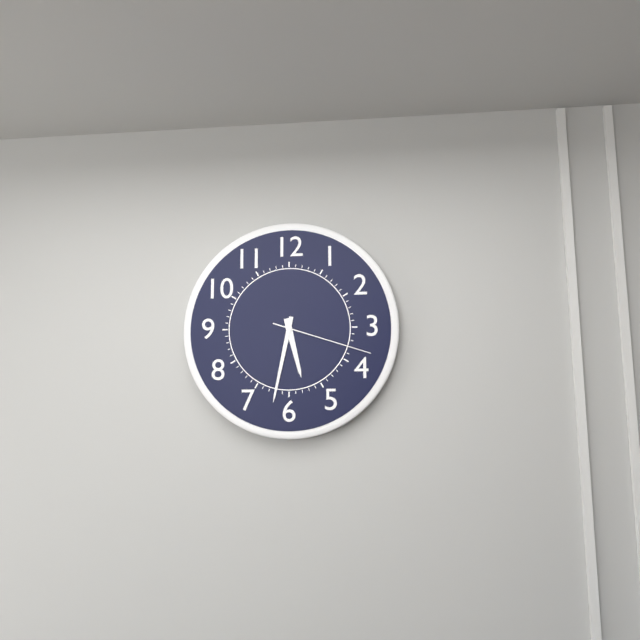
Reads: 5,32,18
